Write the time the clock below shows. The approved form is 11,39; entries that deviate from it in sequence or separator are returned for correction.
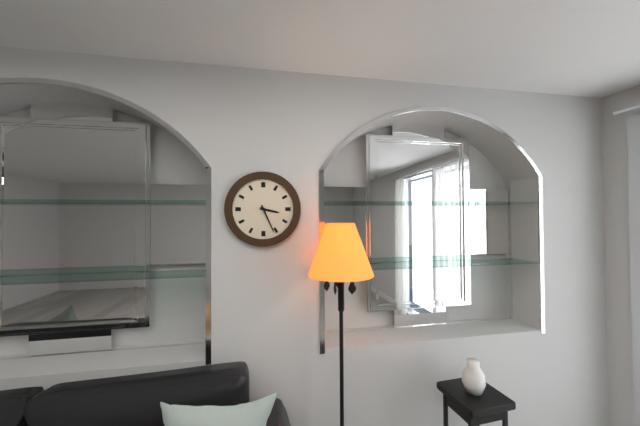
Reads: 3,26
